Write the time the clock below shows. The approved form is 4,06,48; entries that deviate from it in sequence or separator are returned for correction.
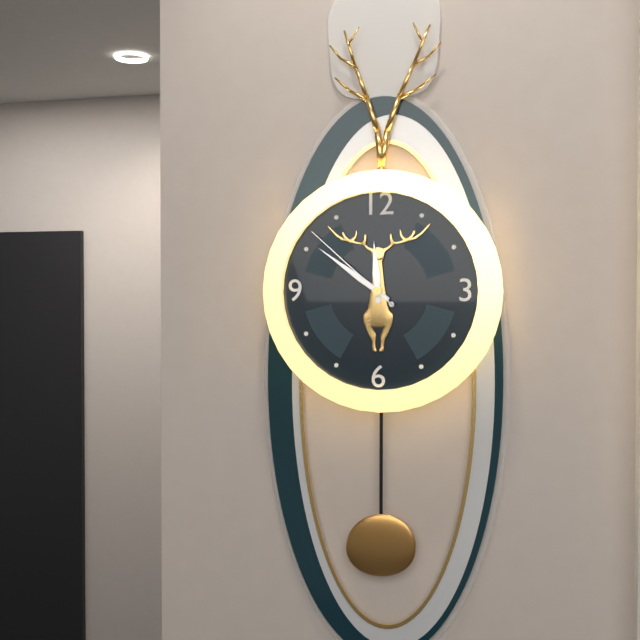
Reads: 11,51,52
